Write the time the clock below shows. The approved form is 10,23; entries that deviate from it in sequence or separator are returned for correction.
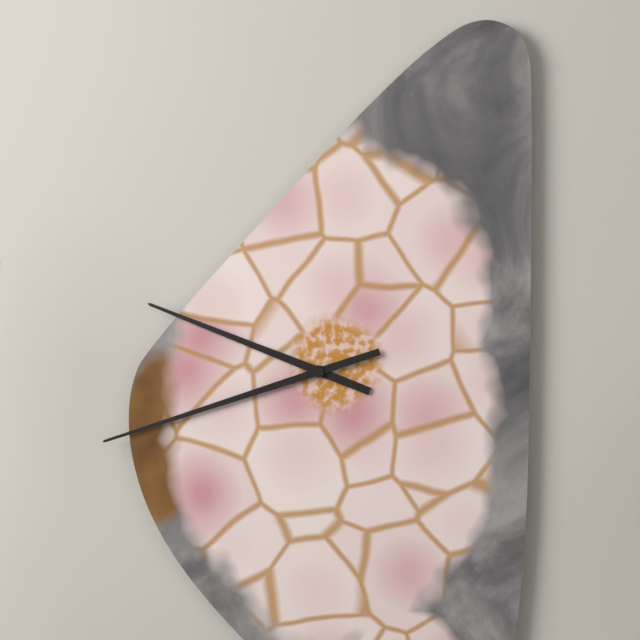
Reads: 9,42
